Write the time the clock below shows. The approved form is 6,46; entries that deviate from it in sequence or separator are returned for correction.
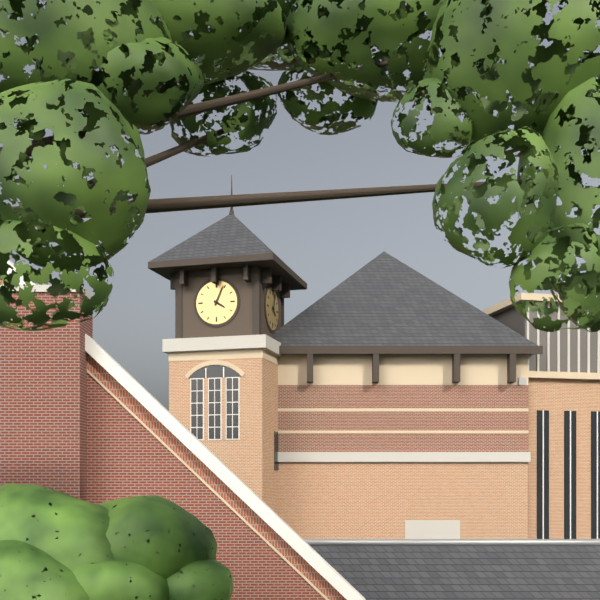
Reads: 4,04
